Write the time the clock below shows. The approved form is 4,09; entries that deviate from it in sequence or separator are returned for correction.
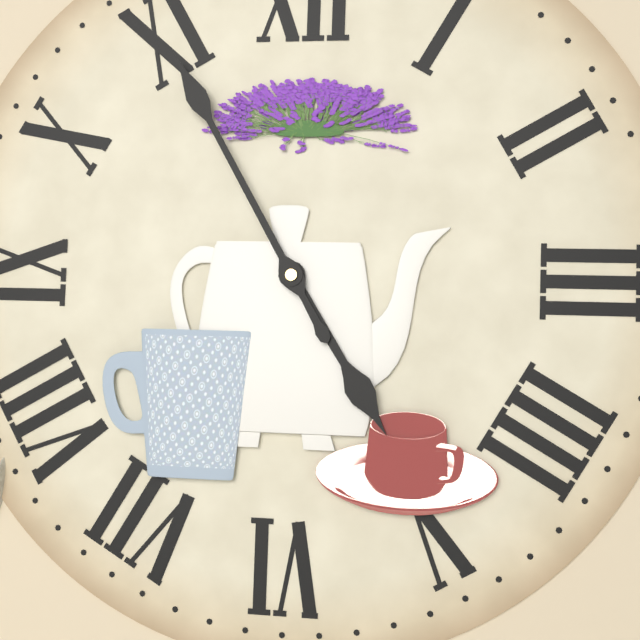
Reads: 4,55
